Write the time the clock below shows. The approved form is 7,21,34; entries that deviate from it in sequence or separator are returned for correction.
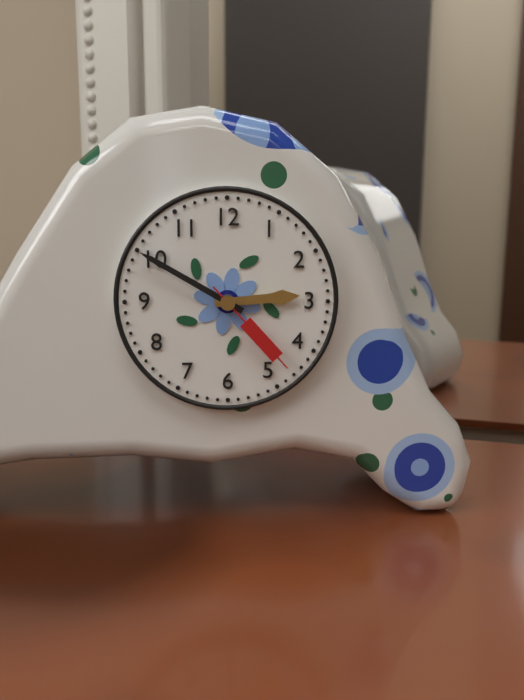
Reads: 2,50,23
